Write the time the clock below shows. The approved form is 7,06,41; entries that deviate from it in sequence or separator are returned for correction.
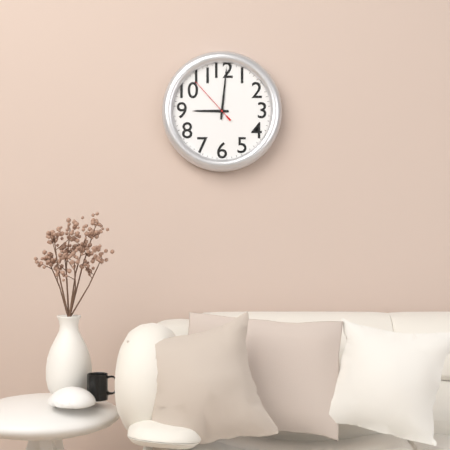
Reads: 9,01,53
